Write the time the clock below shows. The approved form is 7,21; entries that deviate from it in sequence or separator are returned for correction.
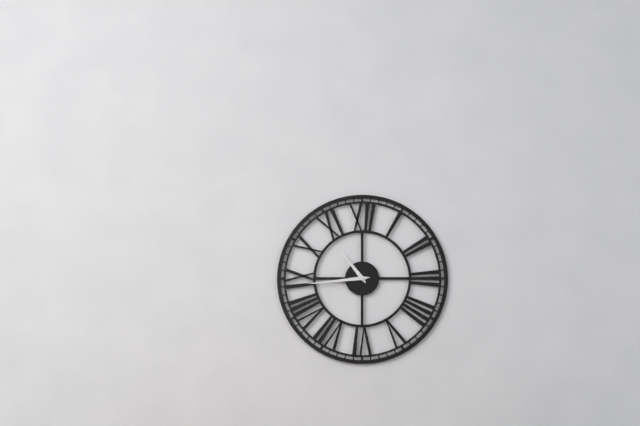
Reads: 10,44
